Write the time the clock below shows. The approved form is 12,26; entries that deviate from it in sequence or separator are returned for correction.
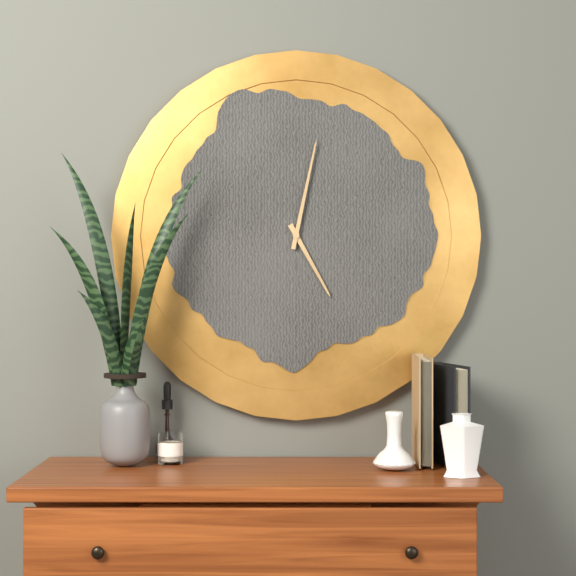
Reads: 5,02
